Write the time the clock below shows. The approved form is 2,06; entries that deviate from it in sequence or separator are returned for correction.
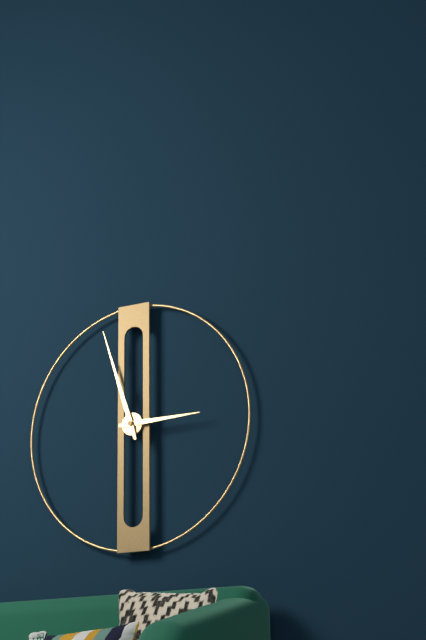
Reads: 2,57
